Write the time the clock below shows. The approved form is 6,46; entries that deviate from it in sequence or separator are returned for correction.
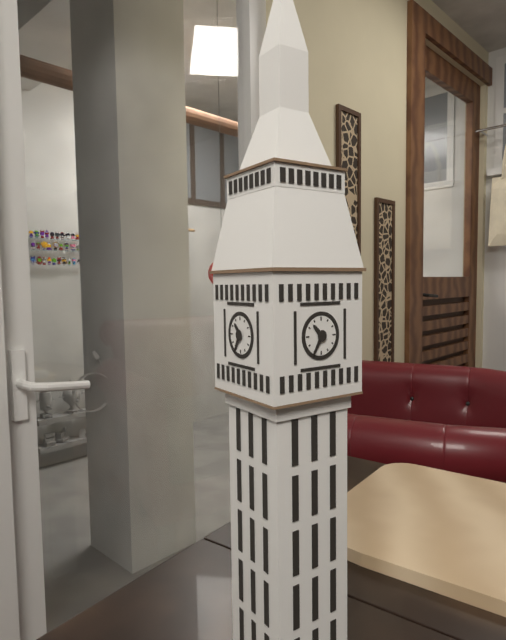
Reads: 10,35
